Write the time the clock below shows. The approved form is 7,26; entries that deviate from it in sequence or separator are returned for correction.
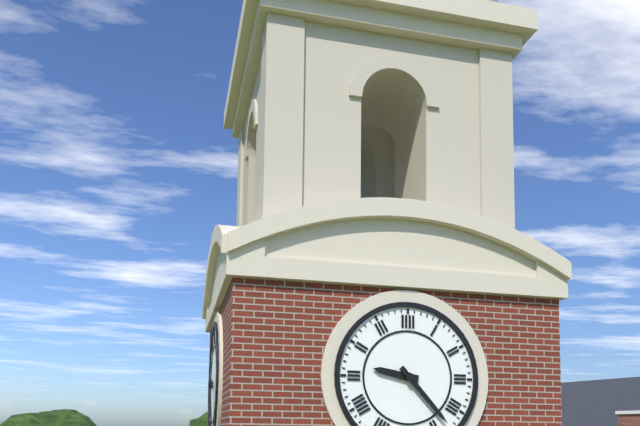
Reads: 9,23
